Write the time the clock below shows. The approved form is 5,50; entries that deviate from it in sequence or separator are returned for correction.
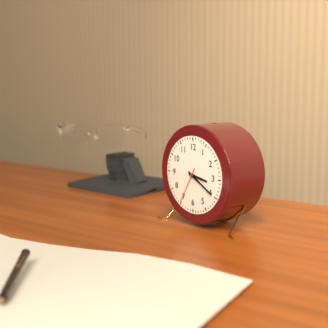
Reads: 3,20
